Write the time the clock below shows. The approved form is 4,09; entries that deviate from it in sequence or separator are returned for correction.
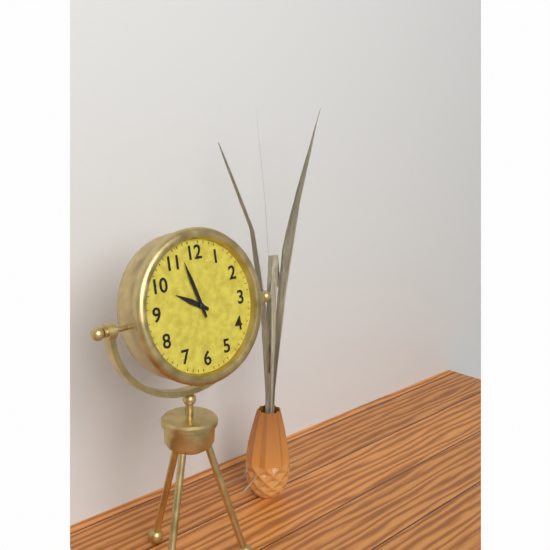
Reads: 9,57
